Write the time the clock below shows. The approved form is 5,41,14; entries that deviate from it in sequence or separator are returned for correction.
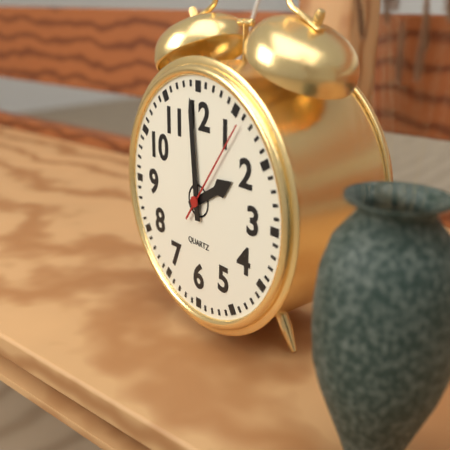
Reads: 1,59,06
